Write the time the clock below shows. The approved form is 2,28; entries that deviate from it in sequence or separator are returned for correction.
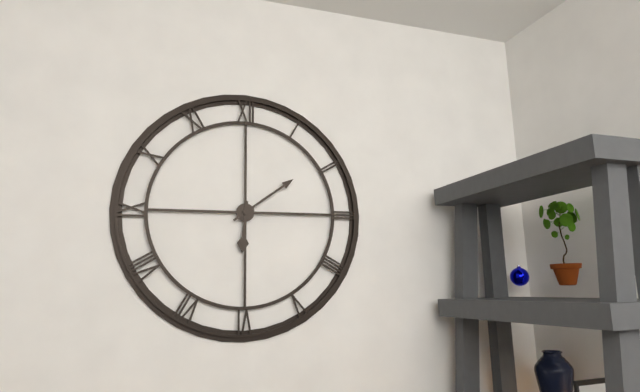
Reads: 6,09
